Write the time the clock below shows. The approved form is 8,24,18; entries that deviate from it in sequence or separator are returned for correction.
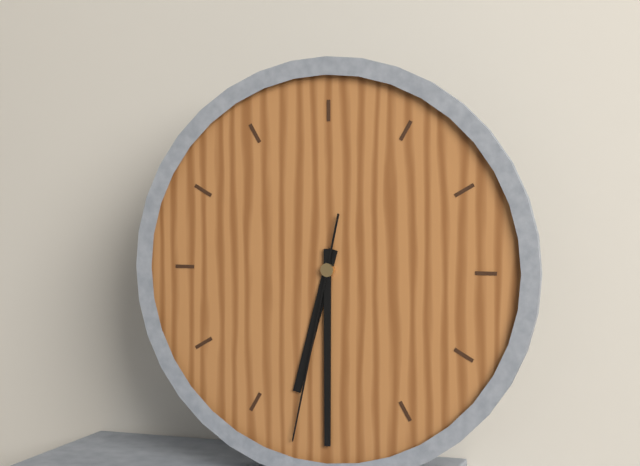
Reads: 6,30,32
